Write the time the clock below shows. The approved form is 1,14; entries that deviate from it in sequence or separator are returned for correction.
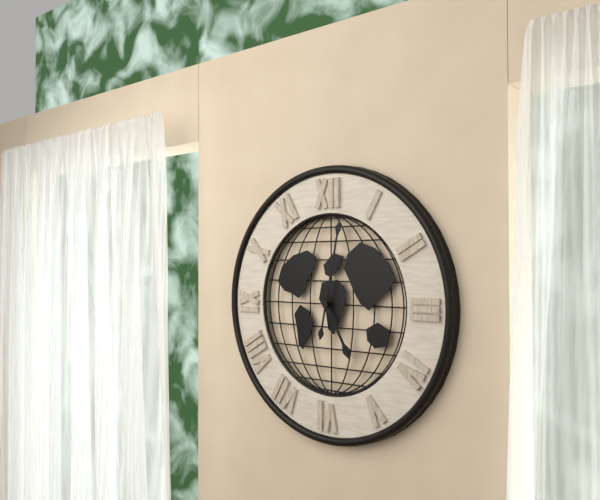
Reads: 5,02
